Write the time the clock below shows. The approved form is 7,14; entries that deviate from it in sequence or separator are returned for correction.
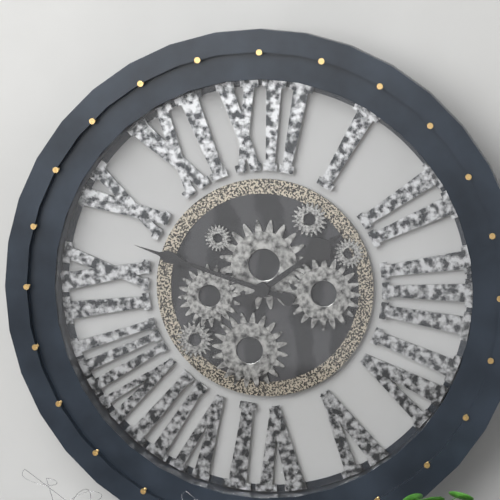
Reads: 1,48
